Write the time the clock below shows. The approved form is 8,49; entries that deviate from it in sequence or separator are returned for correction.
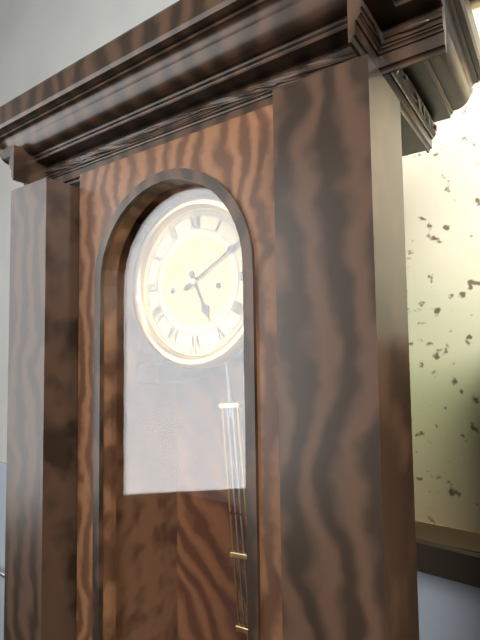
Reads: 5,10
